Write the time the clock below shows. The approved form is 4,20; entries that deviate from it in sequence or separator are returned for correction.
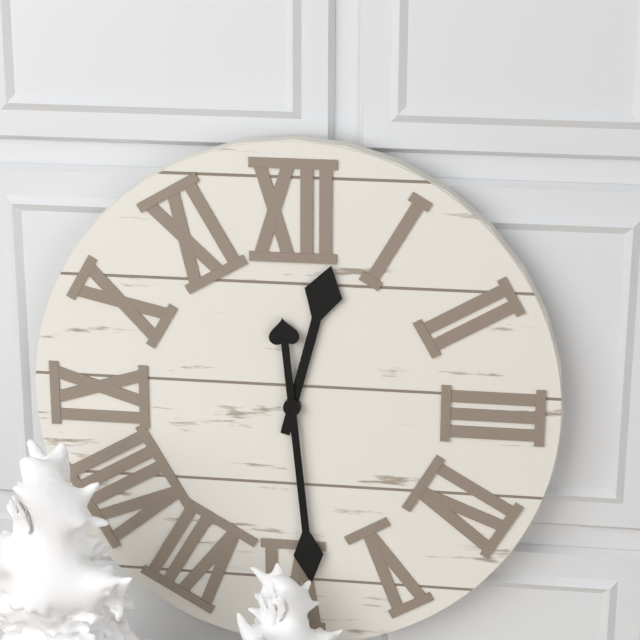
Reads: 12,29
